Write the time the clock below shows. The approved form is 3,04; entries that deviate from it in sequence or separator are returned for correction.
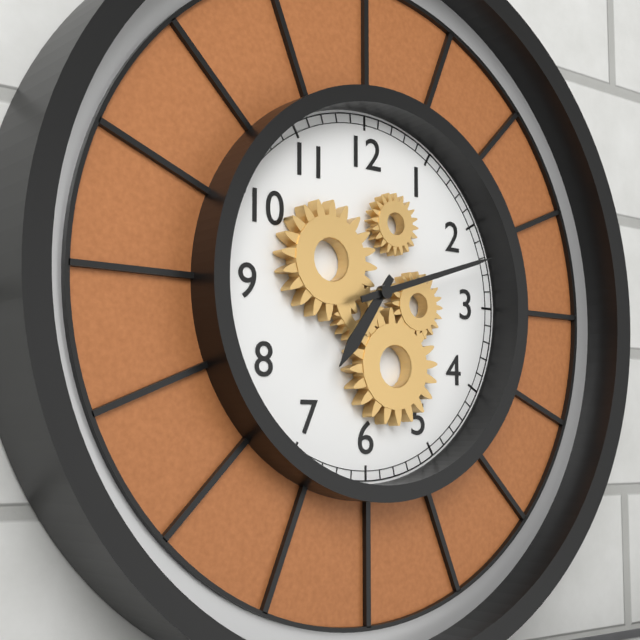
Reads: 7,12
